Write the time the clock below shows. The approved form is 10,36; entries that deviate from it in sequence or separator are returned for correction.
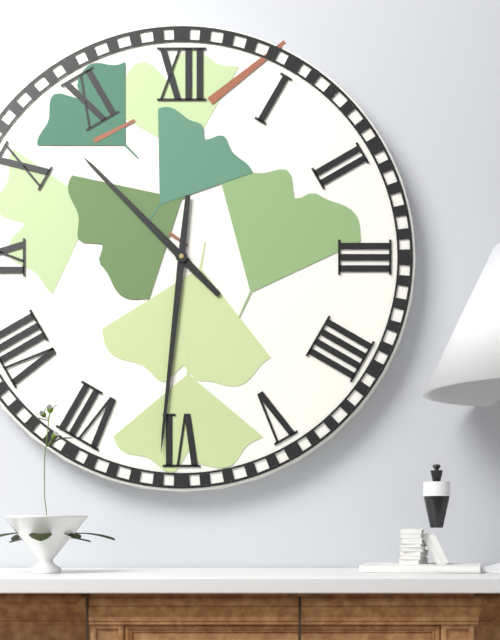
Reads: 10,31
